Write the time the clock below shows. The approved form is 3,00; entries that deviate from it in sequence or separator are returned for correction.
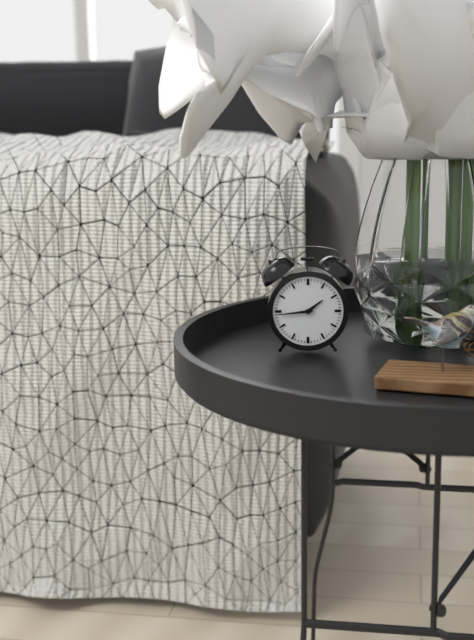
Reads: 1,44
